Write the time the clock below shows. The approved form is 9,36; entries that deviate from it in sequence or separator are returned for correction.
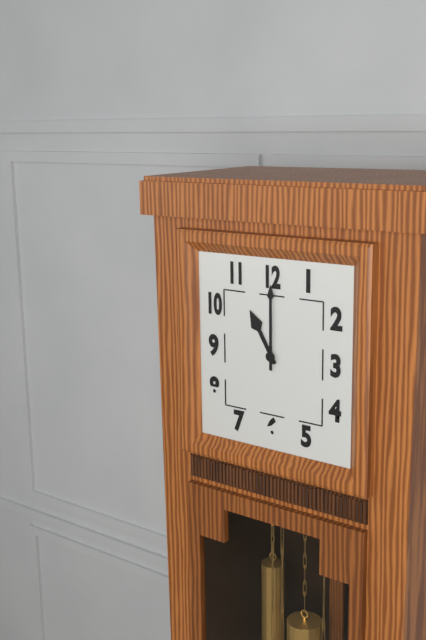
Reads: 11,00
